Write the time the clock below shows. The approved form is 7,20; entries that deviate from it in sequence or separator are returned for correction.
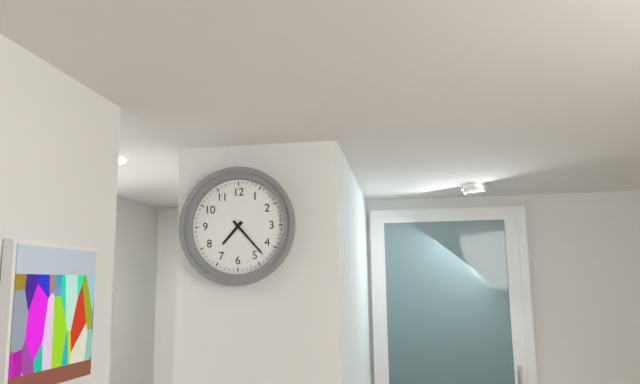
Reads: 7,23
